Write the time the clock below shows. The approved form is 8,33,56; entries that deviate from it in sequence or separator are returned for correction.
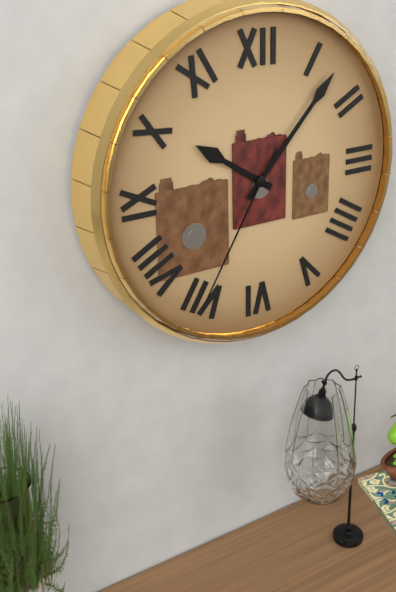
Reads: 10,07,35
